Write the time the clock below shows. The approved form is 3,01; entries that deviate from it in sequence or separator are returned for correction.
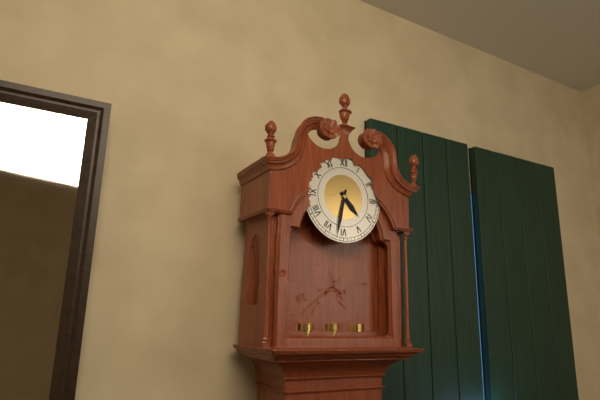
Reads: 4,32
